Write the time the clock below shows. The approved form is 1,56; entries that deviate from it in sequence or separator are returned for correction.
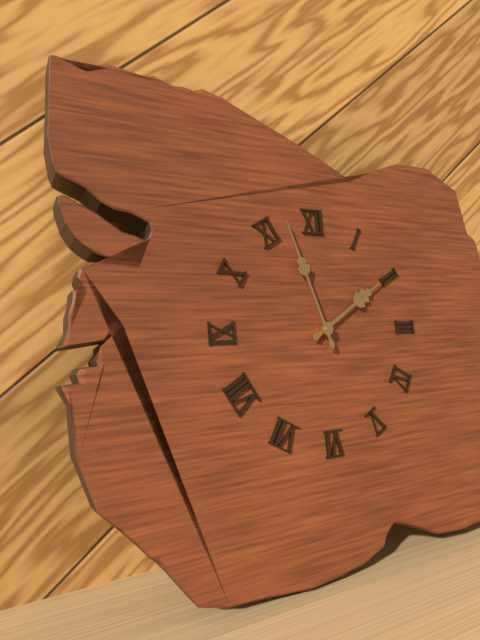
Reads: 1,57
